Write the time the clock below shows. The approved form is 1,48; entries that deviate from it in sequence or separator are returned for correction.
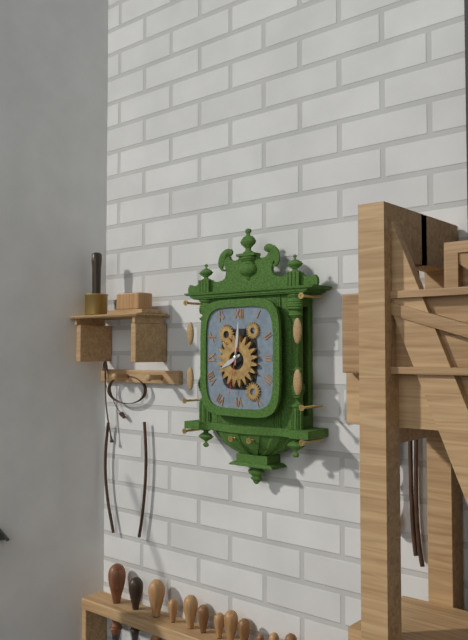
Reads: 8,01
